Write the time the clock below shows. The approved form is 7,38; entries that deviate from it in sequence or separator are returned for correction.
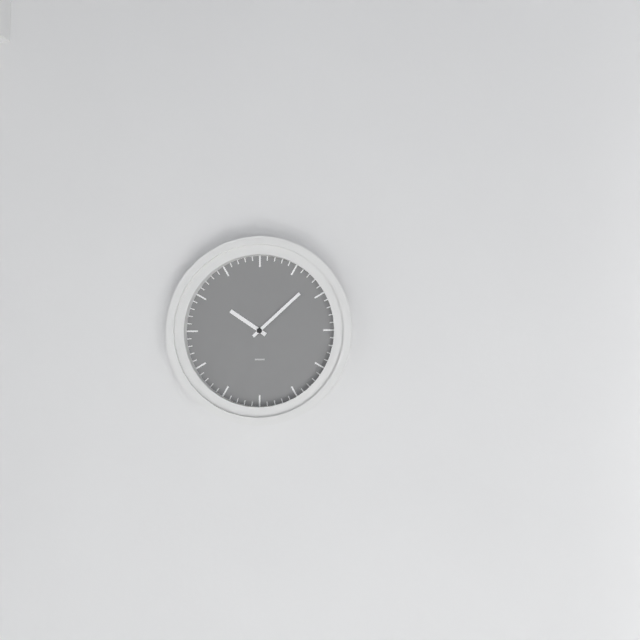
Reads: 10,08
